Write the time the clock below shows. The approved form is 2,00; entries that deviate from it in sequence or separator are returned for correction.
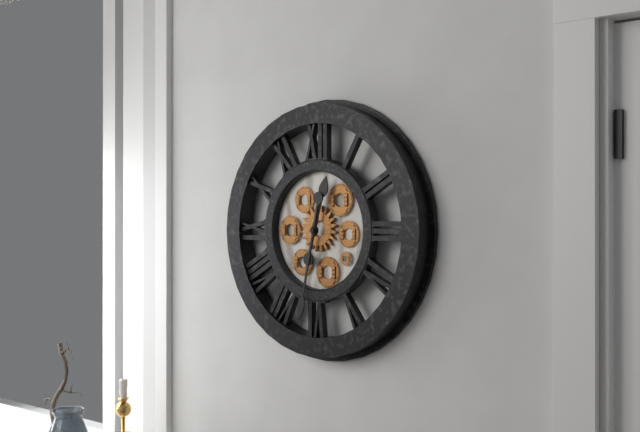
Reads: 12,32
